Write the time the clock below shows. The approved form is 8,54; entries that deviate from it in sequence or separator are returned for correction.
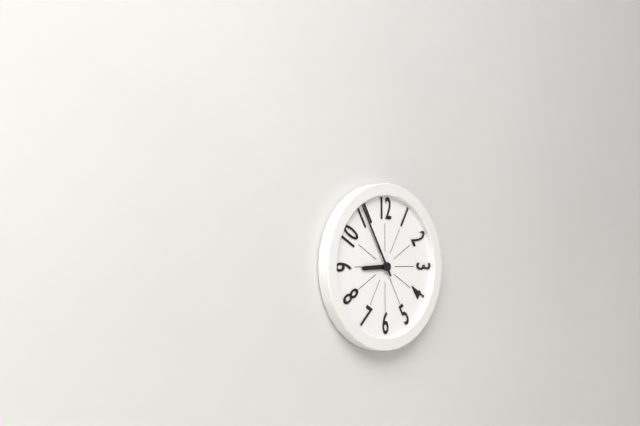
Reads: 8,55
